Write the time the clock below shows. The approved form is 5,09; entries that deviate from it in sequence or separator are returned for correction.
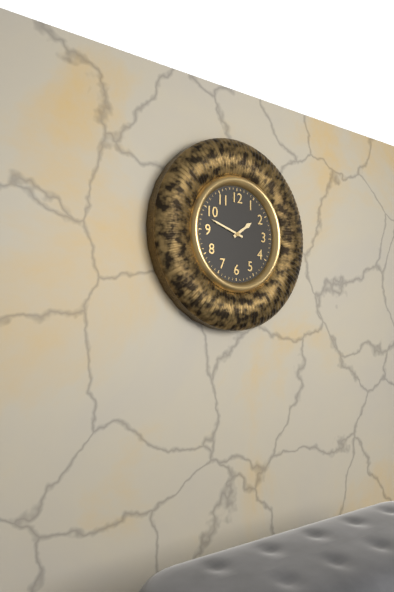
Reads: 1,48
